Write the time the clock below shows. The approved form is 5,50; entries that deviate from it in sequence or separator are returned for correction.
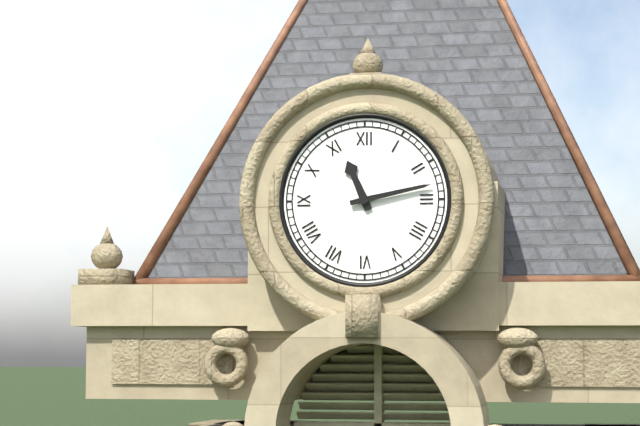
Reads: 11,13
